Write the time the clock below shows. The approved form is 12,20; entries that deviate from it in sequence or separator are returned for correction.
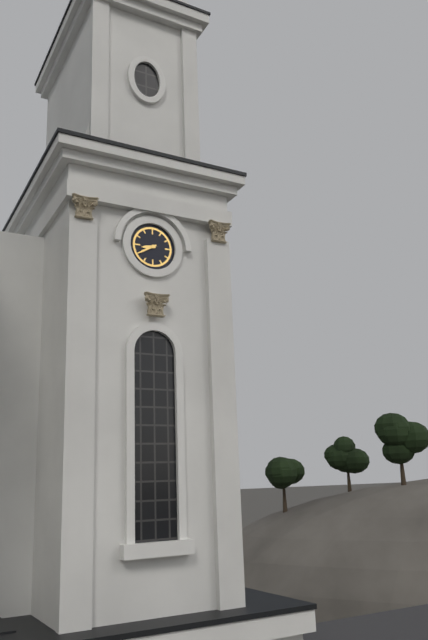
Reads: 8,40
